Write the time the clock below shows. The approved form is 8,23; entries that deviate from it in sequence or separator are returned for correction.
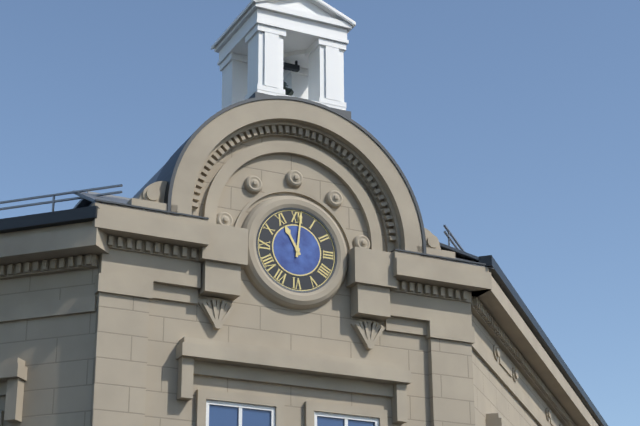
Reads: 11,01
